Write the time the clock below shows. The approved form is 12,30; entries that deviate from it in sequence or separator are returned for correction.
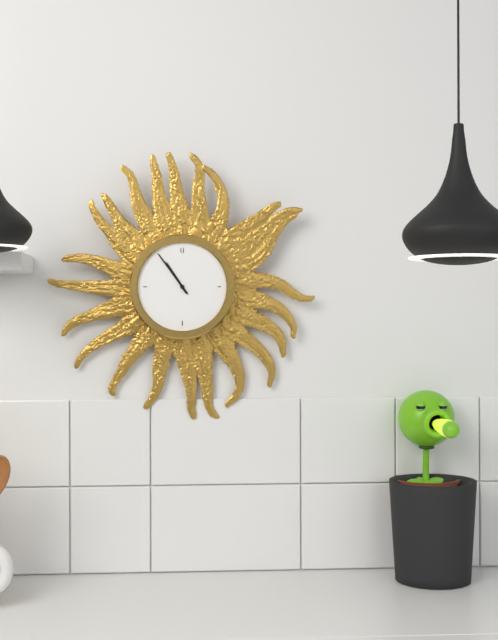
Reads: 10,54
